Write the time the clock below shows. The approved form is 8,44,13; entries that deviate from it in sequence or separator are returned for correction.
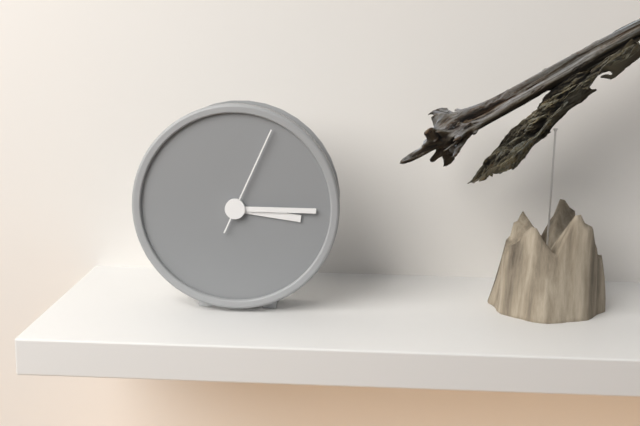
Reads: 3,15,04
